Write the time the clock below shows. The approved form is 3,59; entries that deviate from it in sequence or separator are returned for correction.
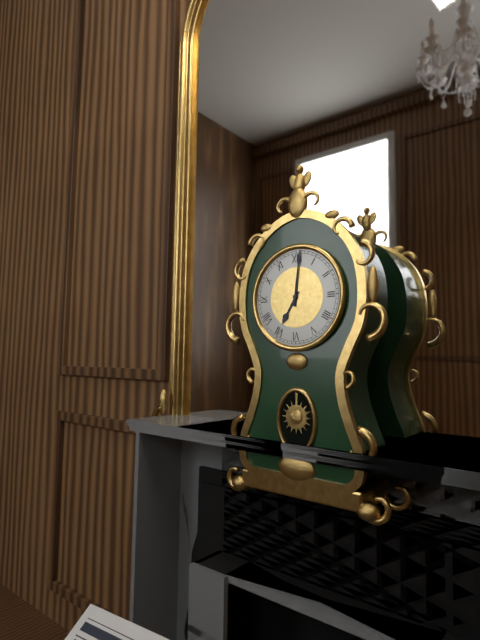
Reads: 7,01
